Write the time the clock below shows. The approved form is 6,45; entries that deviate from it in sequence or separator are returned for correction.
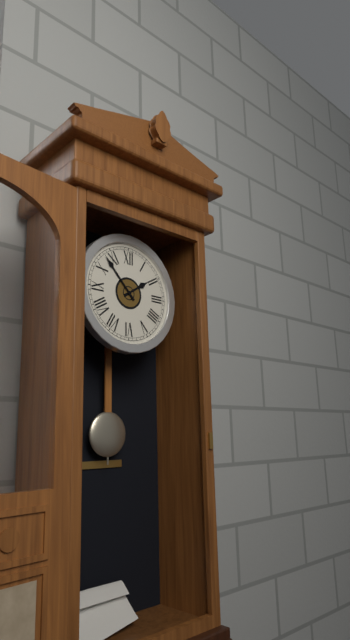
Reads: 1,53
